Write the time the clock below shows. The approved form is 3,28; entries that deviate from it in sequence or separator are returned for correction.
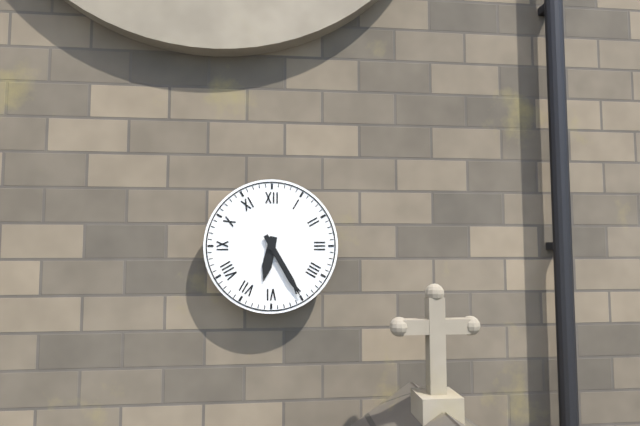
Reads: 6,25
